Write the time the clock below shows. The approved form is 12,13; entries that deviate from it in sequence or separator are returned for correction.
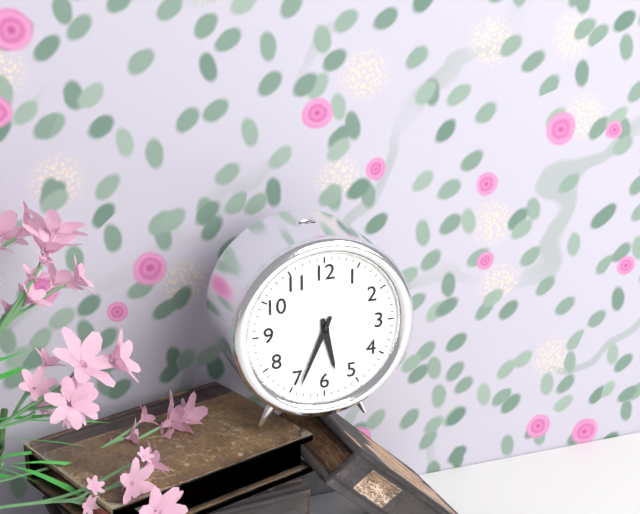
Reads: 5,34
